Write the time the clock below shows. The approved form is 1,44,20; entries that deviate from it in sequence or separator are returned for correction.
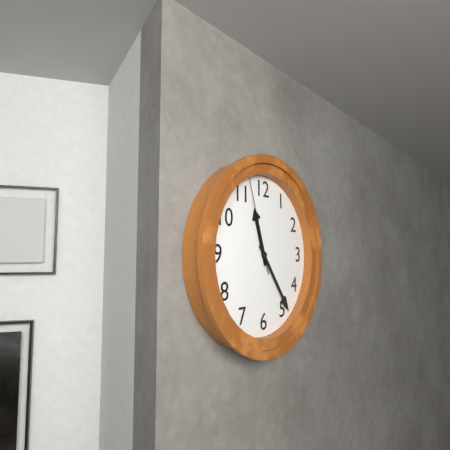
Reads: 11,24,57
